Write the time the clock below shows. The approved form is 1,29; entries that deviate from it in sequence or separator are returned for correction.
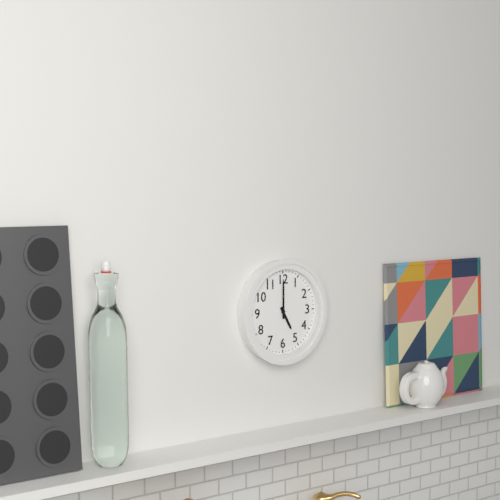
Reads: 5,00
